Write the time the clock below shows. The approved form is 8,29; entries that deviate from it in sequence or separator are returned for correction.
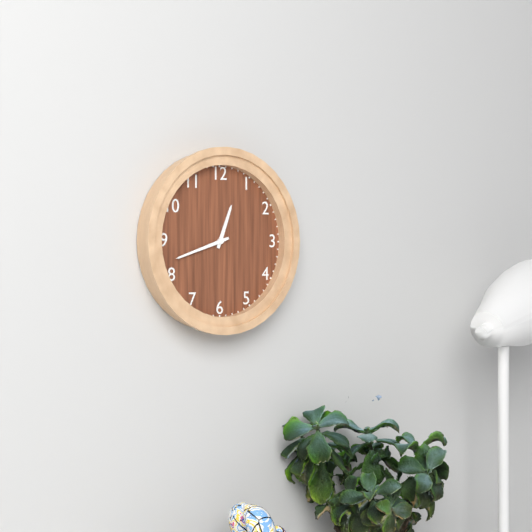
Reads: 12,42
